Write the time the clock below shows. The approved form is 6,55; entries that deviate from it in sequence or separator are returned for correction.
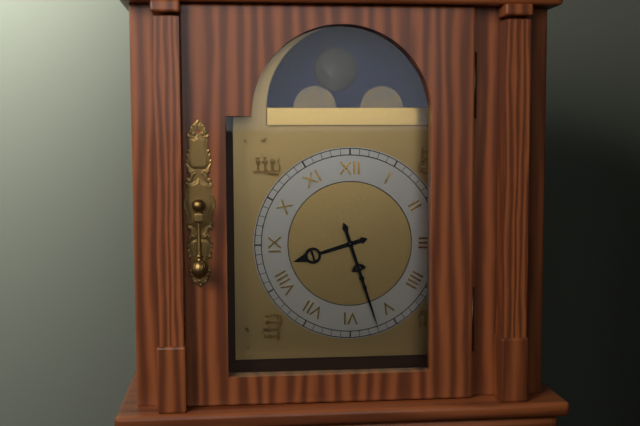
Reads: 8,27
